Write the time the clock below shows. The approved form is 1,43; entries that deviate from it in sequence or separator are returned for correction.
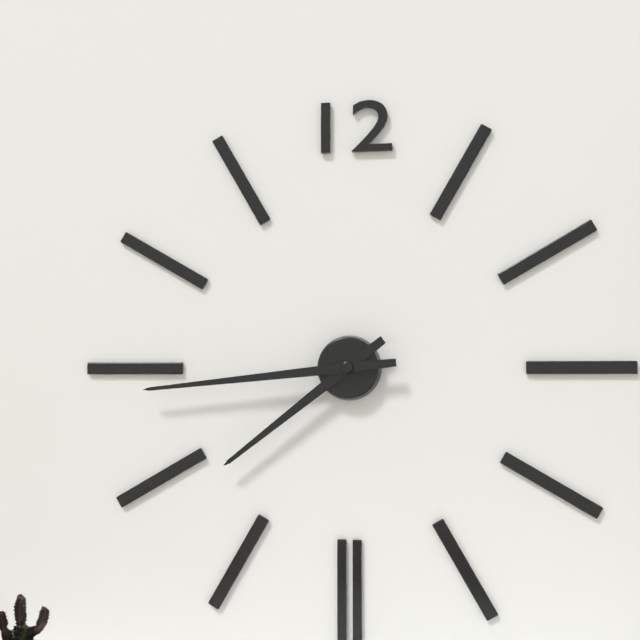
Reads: 7,44
